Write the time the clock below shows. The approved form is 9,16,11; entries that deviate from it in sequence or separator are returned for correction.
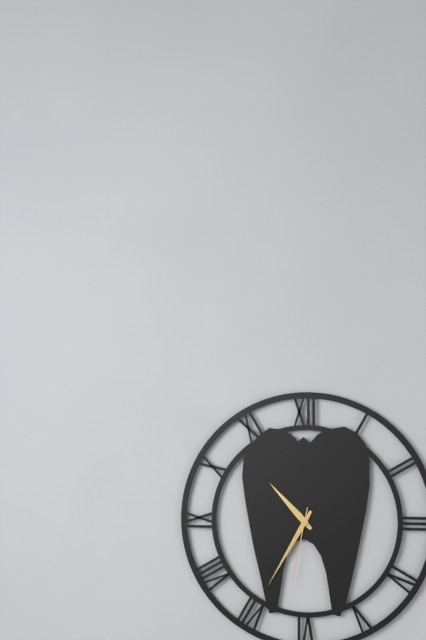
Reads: 10,35,32
